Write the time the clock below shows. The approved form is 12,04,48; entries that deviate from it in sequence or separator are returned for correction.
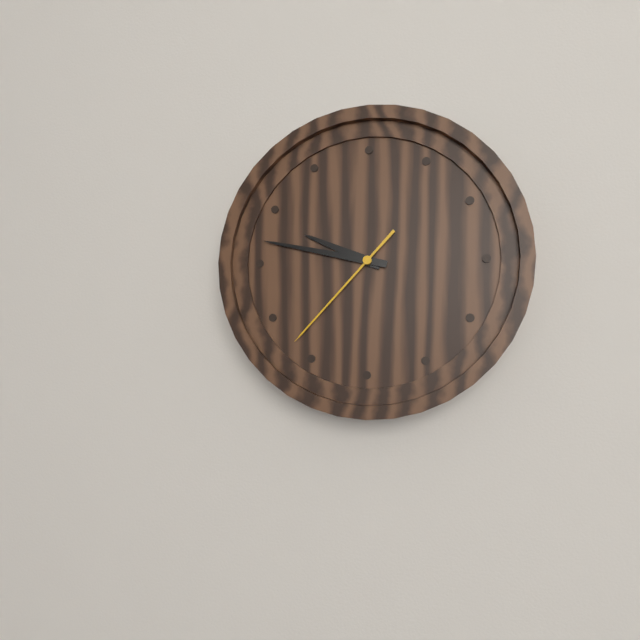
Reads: 9,47,37
